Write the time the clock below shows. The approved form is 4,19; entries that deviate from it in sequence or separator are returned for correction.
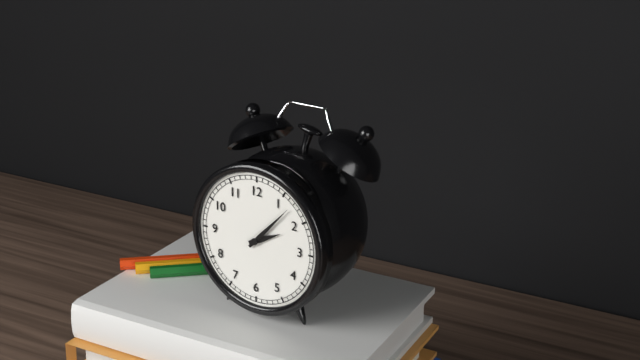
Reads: 2,07
